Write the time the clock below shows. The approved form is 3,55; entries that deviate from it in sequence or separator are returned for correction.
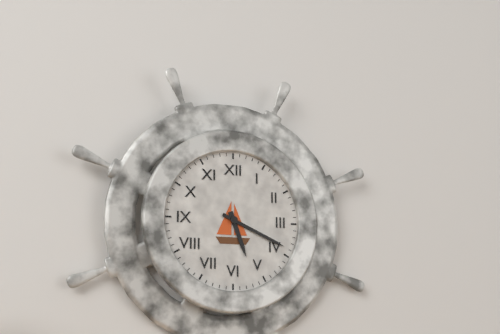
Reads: 5,19
